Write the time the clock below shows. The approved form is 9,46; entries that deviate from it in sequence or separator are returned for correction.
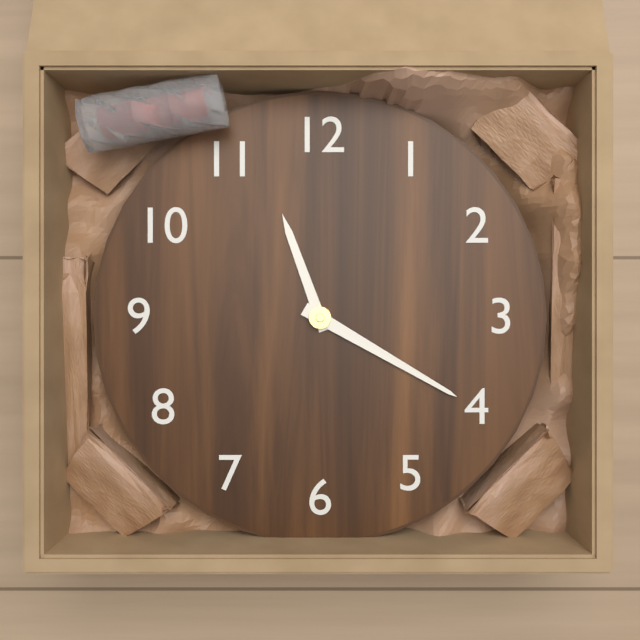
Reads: 11,20
